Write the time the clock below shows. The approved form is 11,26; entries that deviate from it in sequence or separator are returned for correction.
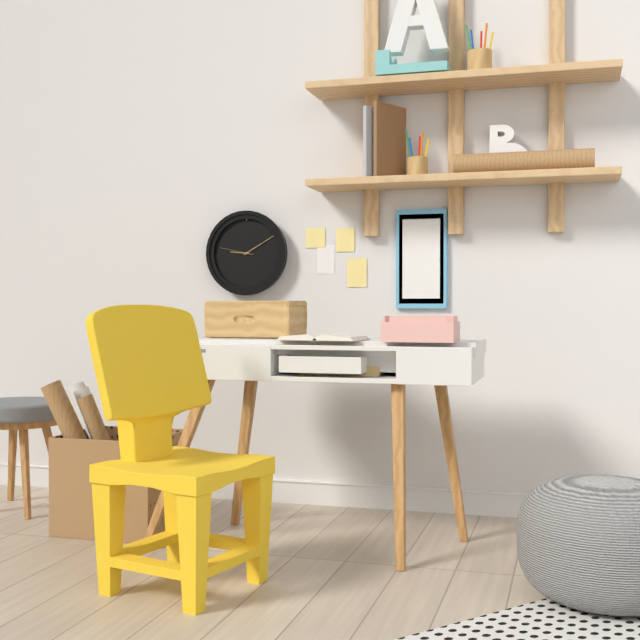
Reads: 9,10
